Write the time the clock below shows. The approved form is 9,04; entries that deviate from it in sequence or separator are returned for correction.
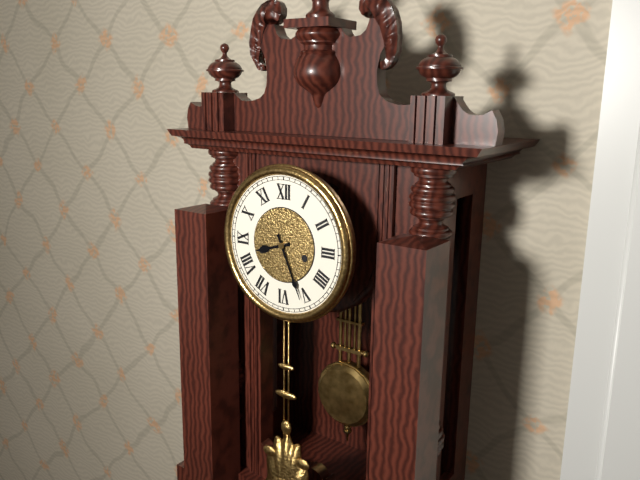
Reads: 8,26
